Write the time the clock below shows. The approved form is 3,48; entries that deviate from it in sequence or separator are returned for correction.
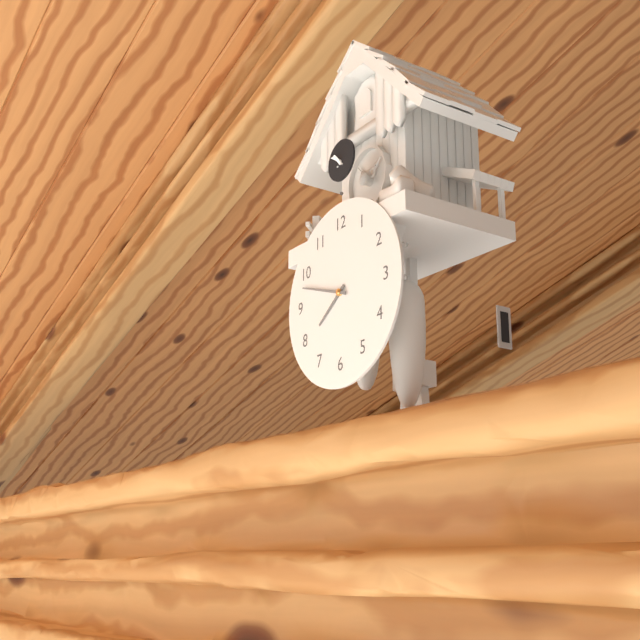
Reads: 7,48
